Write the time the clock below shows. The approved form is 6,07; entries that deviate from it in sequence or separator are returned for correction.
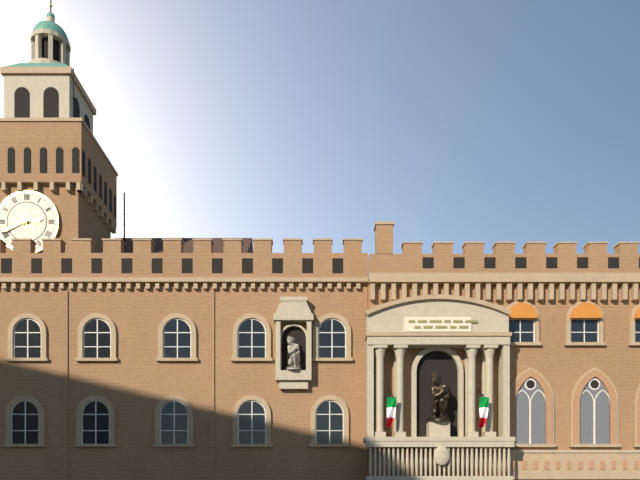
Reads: 2,41
